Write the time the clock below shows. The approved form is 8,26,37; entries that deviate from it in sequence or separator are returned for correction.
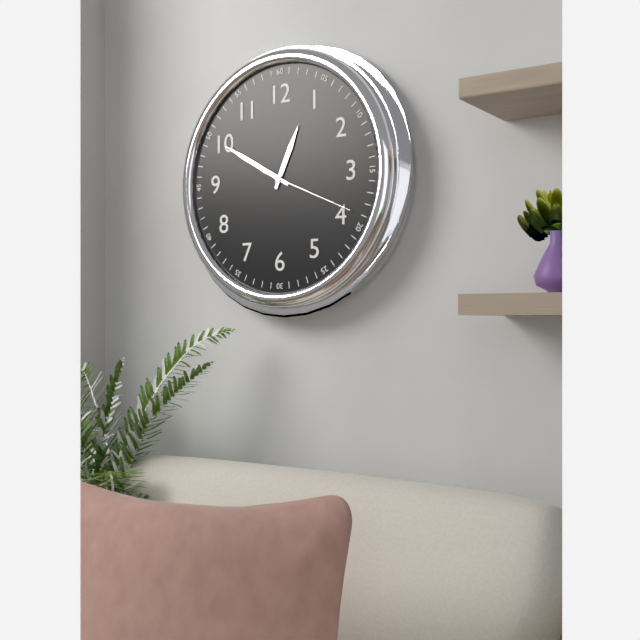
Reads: 12,50,19
